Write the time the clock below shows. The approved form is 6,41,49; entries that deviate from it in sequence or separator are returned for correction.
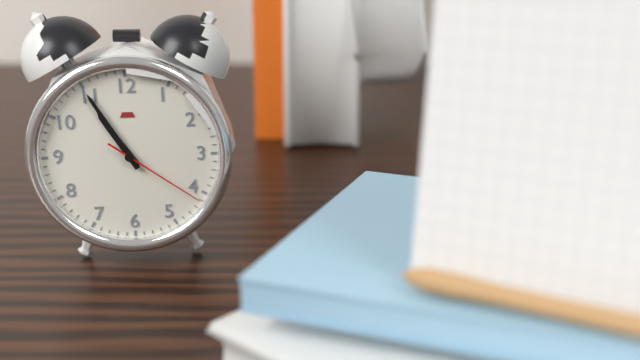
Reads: 10,55,21
